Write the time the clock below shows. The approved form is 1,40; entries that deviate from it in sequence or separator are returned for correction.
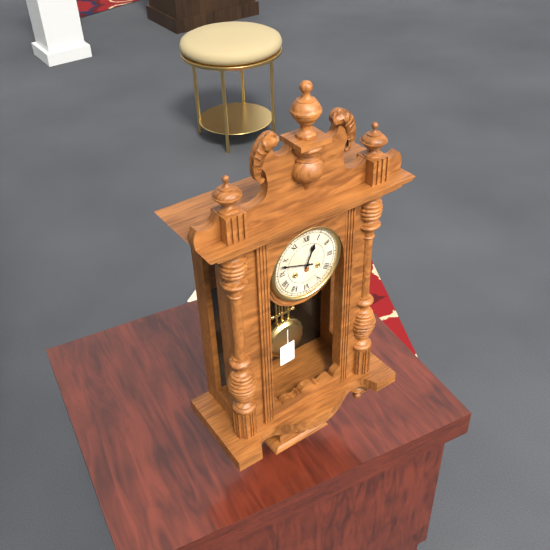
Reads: 12,48
